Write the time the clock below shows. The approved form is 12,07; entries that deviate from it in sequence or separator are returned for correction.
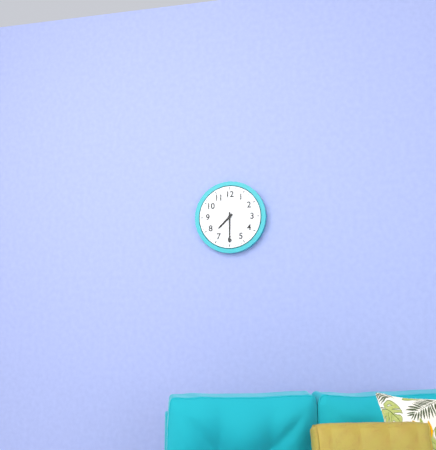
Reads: 7,30
